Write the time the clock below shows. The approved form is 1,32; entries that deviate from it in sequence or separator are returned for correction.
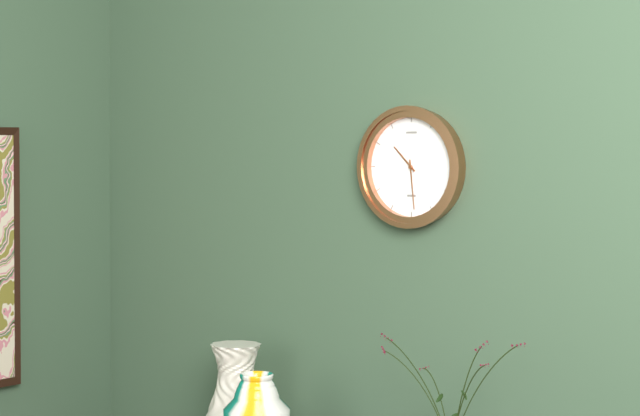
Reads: 10,29
